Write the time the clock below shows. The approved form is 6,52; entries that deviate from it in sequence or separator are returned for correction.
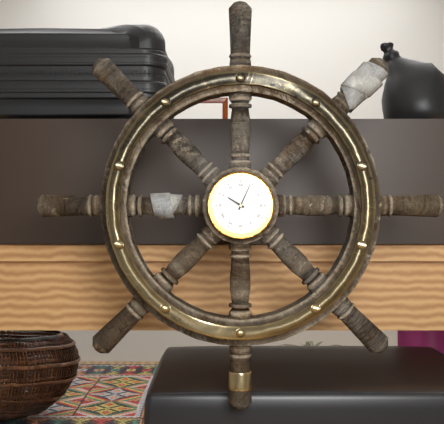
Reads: 10,04
